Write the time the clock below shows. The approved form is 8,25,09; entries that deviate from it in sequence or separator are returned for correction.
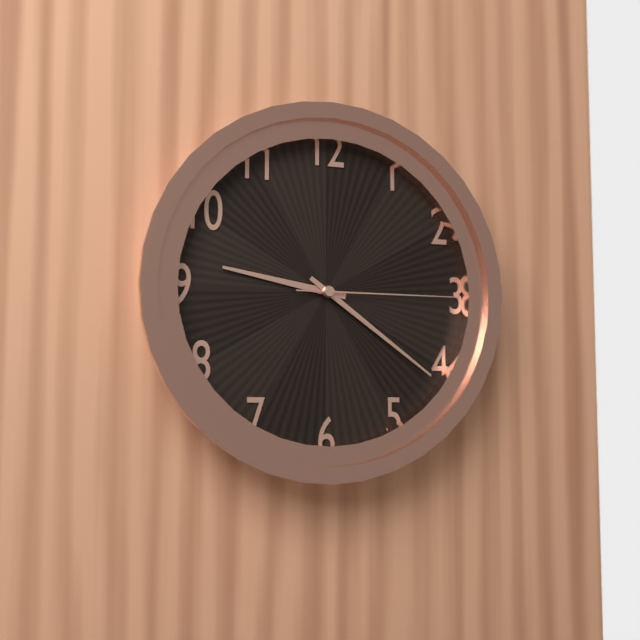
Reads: 9,21,15
